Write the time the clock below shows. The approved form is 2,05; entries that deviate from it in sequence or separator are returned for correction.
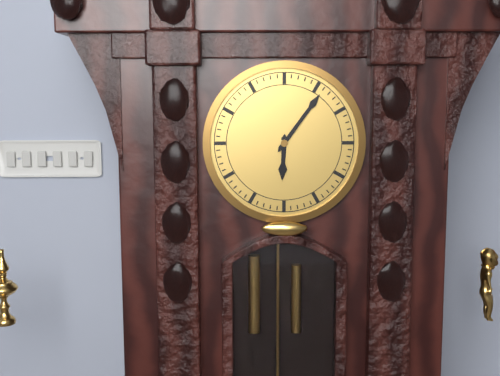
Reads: 6,06
